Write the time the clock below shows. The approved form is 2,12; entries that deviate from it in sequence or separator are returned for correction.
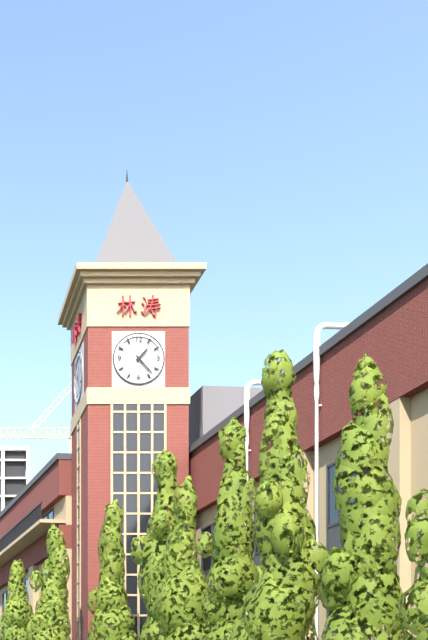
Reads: 1,23
